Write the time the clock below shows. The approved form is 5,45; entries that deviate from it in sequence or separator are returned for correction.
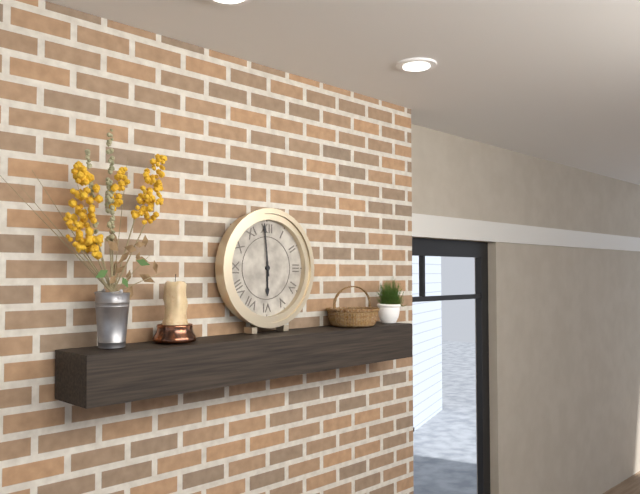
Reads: 5,59
